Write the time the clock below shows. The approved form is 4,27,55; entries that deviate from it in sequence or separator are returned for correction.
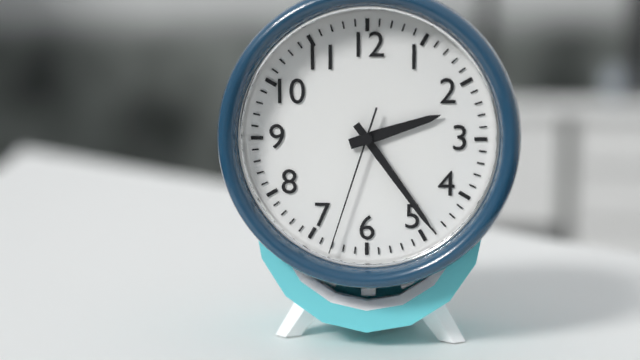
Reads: 2,24,33
